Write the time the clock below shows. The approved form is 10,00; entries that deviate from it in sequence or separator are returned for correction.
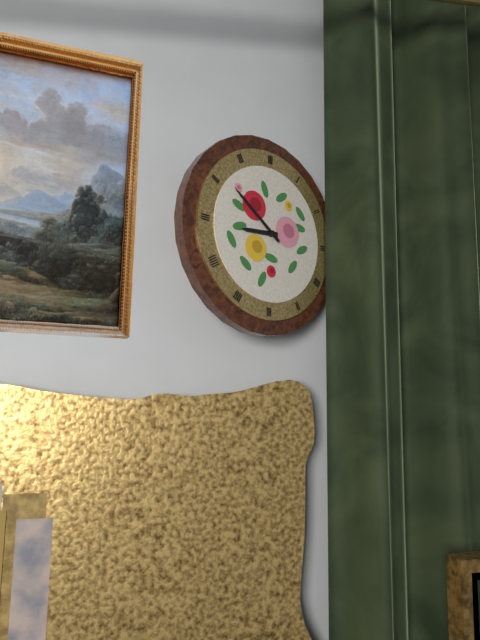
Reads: 8,51
